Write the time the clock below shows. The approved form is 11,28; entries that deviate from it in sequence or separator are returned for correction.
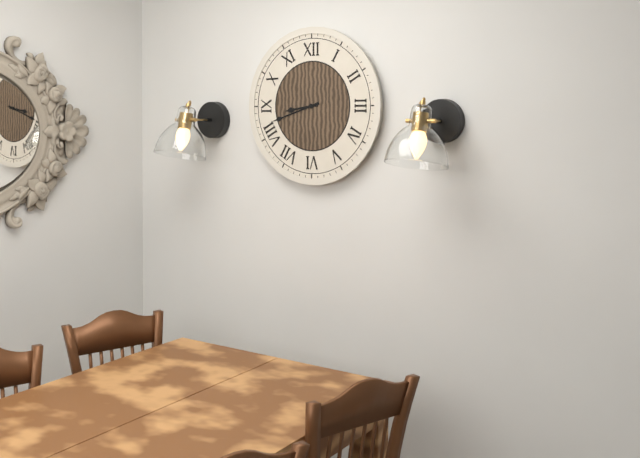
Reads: 8,42
